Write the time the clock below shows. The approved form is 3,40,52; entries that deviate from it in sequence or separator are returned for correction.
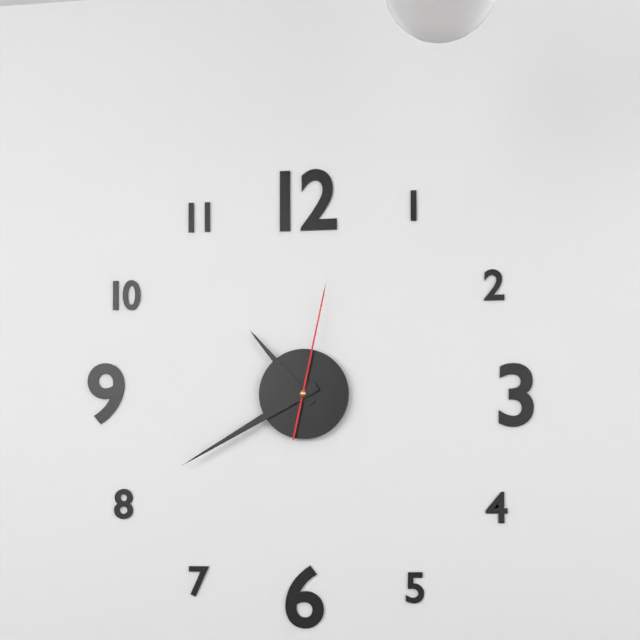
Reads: 10,40,02
